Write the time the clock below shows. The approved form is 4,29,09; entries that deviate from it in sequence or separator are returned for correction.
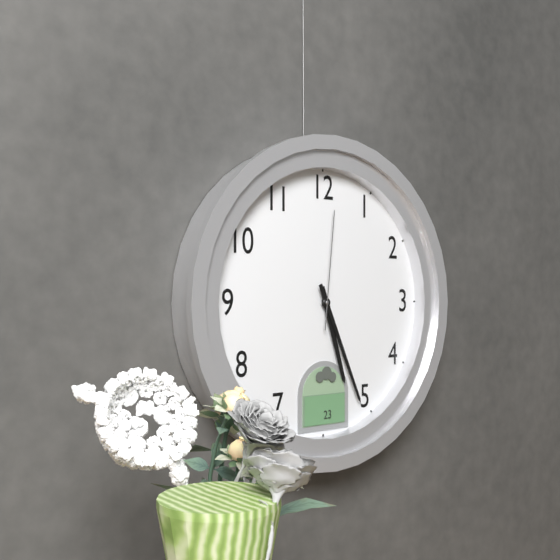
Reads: 5,26,01
